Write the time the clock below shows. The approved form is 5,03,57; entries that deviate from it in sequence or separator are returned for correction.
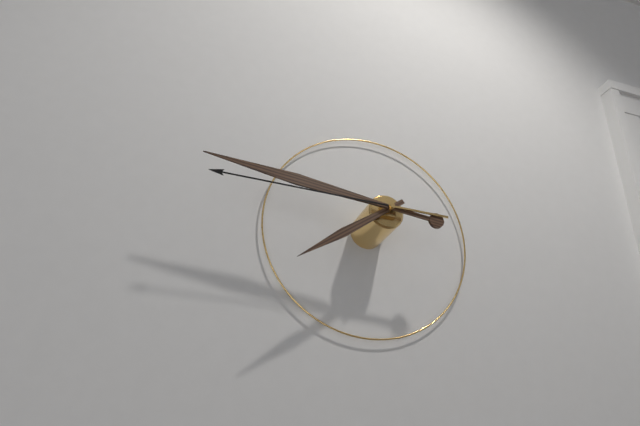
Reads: 7,46,45
